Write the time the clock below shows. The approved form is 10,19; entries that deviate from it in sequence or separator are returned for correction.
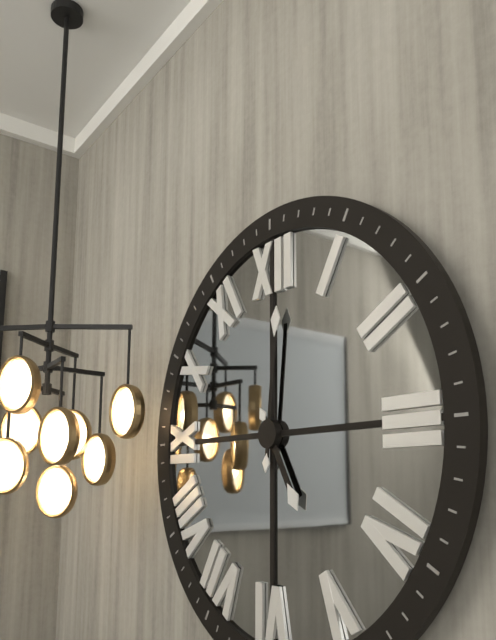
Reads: 5,01
